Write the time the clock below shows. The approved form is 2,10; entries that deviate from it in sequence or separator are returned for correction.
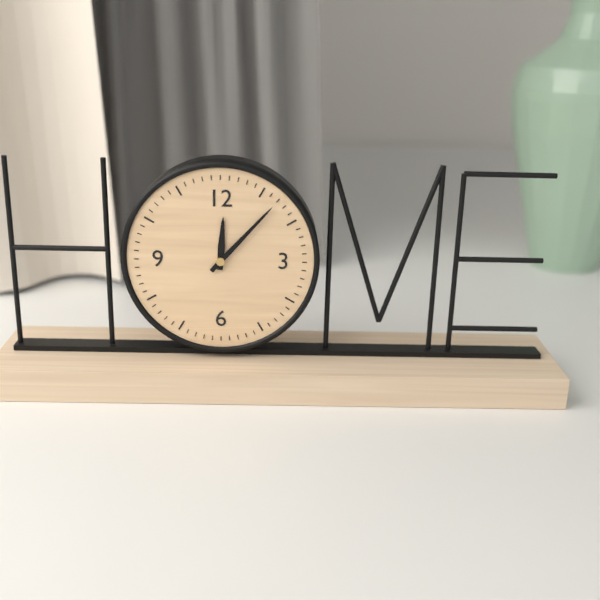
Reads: 12,07
